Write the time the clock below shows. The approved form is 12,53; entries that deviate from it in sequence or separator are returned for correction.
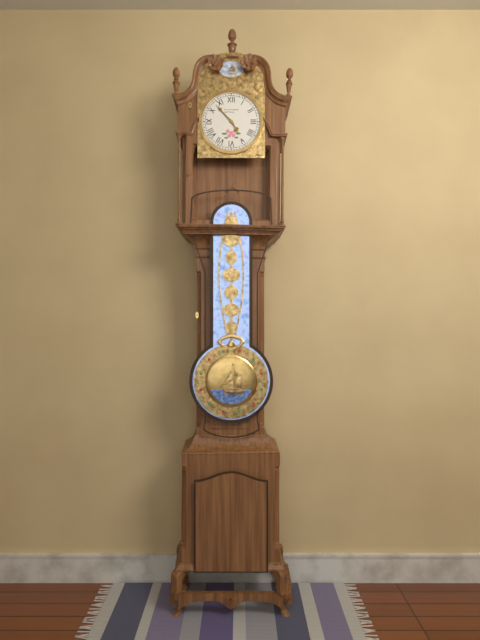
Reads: 4,53
